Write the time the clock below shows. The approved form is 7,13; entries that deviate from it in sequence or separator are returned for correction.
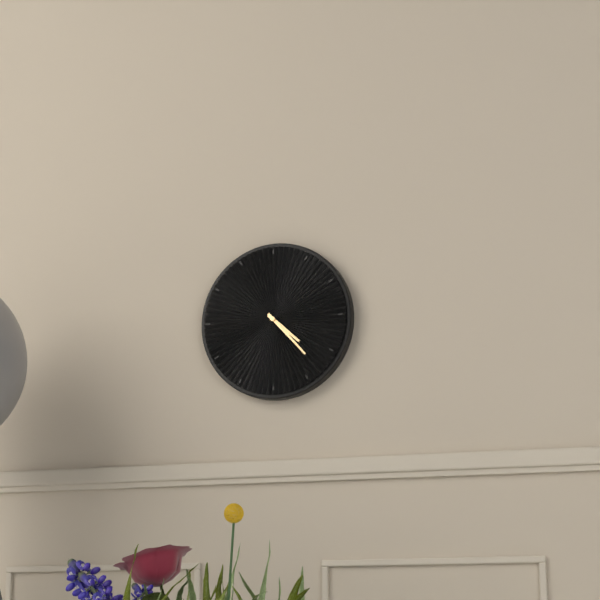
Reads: 4,23
